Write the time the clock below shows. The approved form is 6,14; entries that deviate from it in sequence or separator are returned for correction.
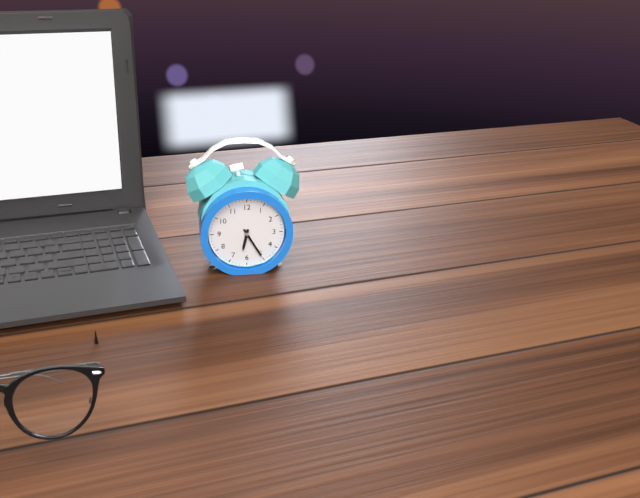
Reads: 6,25
